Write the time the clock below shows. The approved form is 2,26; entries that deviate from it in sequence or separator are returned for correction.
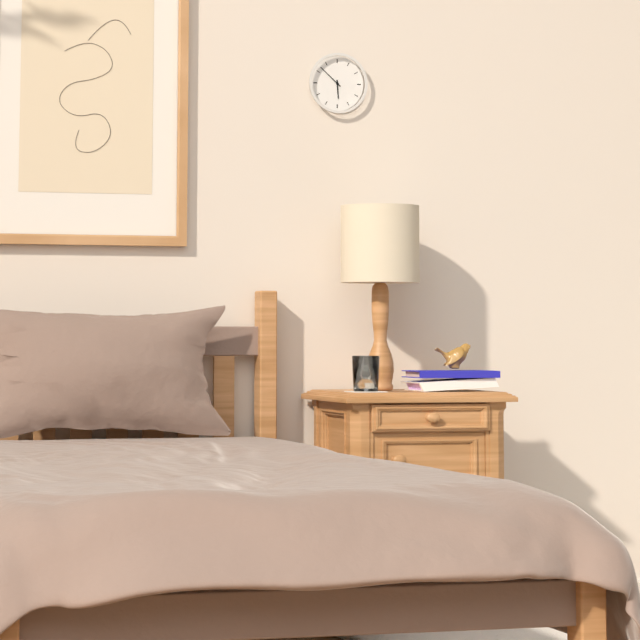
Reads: 5,52
